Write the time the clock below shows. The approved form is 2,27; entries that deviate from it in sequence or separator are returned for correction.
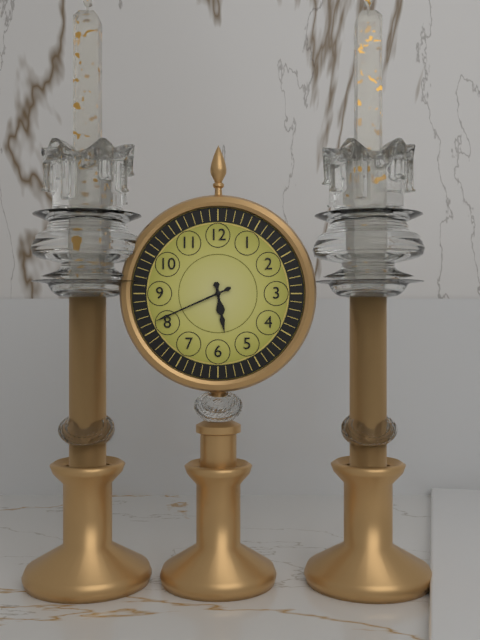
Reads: 5,41
